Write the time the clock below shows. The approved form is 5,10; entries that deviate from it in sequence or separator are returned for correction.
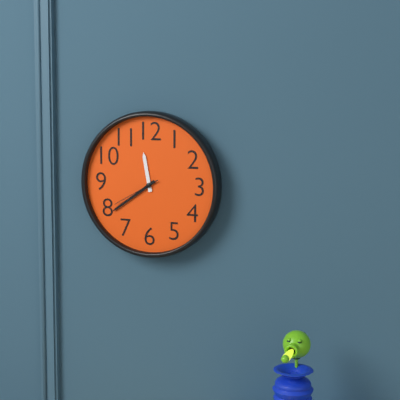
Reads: 11,39
